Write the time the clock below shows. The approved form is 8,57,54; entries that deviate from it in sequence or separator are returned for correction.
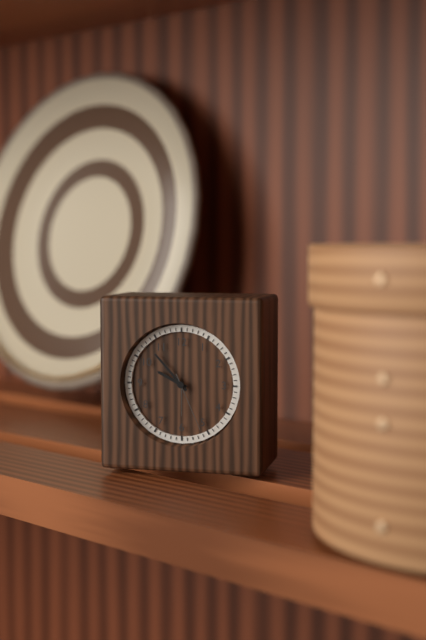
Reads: 9,53,26
